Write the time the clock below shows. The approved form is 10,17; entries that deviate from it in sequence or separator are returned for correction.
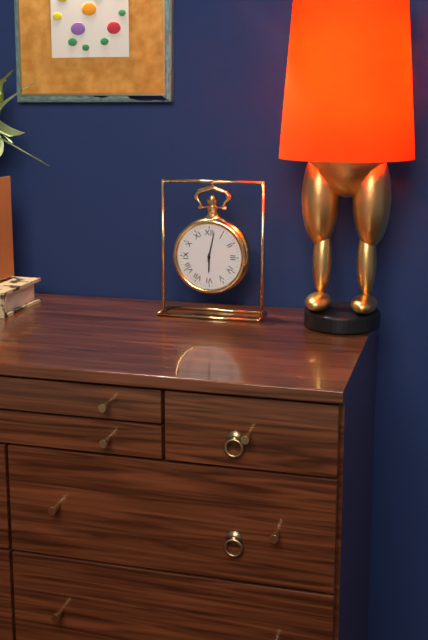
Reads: 6,02
